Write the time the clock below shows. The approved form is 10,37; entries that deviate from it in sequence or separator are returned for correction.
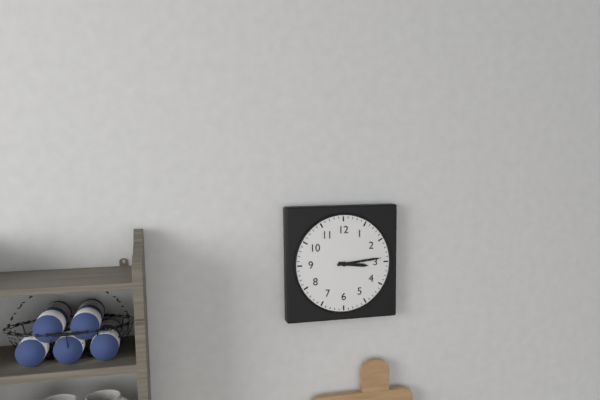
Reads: 3,14
